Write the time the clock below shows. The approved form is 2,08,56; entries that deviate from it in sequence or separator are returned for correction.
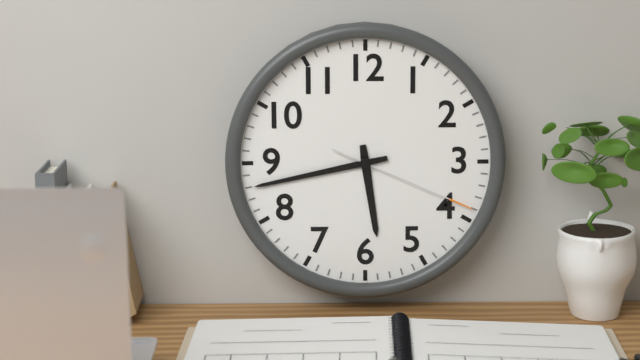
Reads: 5,43,19
